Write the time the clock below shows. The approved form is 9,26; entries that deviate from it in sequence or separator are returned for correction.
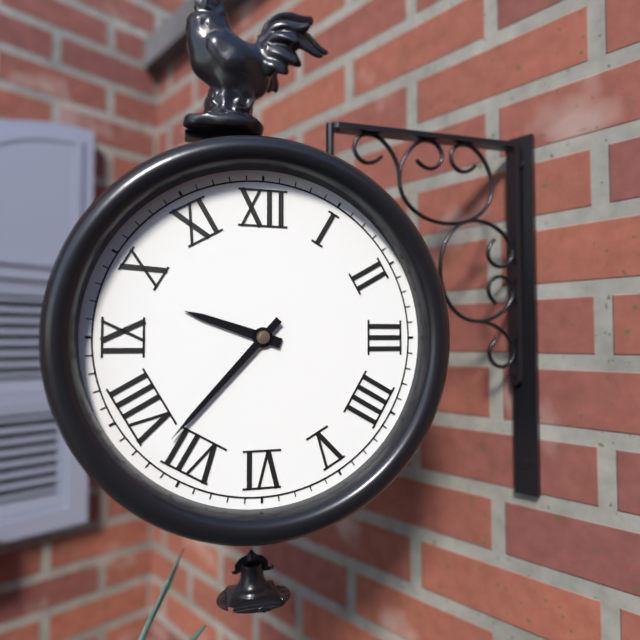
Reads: 9,37
